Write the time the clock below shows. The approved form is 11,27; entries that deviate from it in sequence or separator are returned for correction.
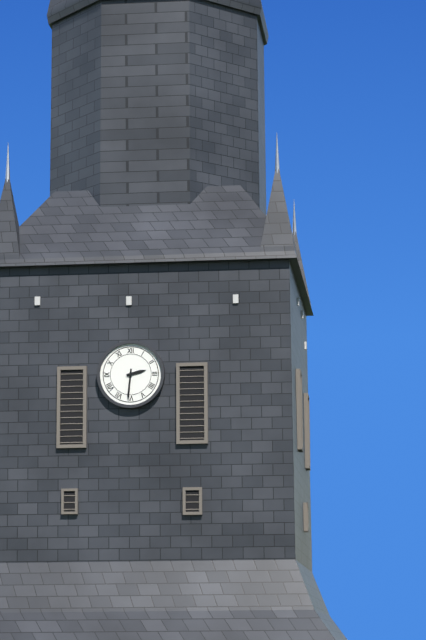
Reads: 2,31
